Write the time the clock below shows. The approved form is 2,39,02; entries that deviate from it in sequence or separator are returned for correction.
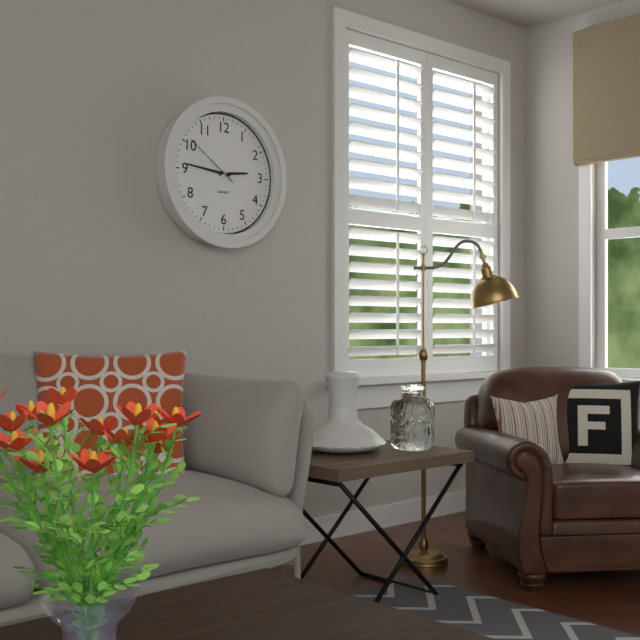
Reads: 2,46,51
